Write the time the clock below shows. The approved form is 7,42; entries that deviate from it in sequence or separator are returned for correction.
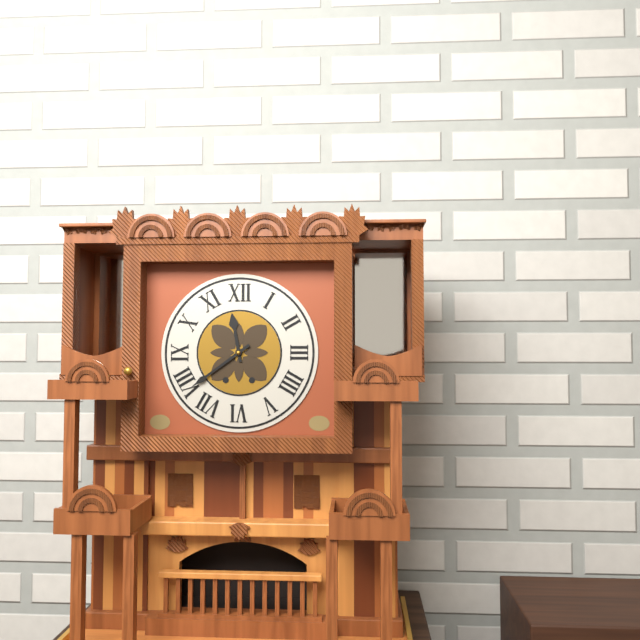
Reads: 11,39
